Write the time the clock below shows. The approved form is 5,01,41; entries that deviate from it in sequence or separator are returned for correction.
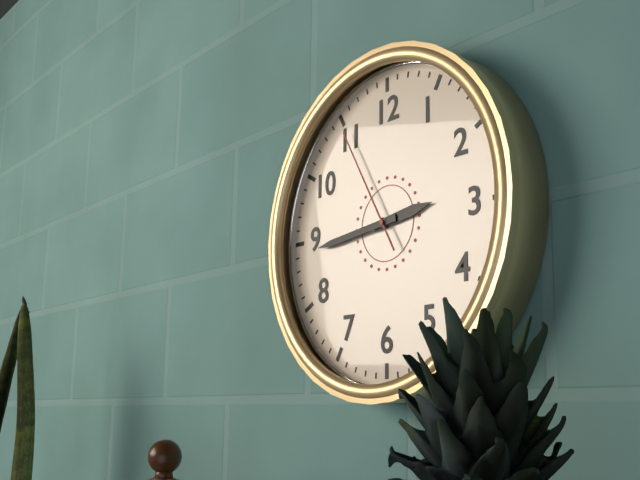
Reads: 2,44,55
